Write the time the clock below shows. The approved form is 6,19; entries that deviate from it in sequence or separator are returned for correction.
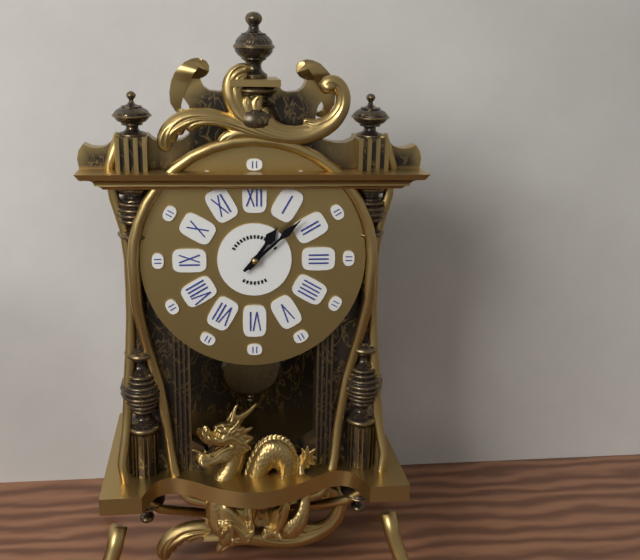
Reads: 1,08
